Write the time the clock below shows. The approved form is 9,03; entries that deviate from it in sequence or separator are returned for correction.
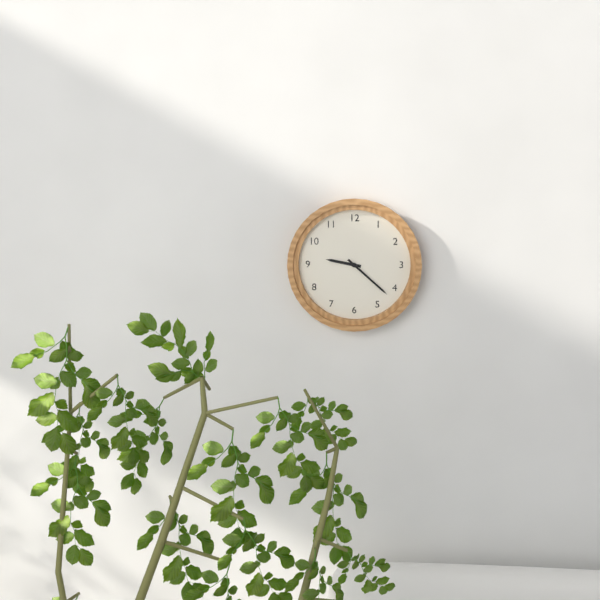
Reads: 9,22
